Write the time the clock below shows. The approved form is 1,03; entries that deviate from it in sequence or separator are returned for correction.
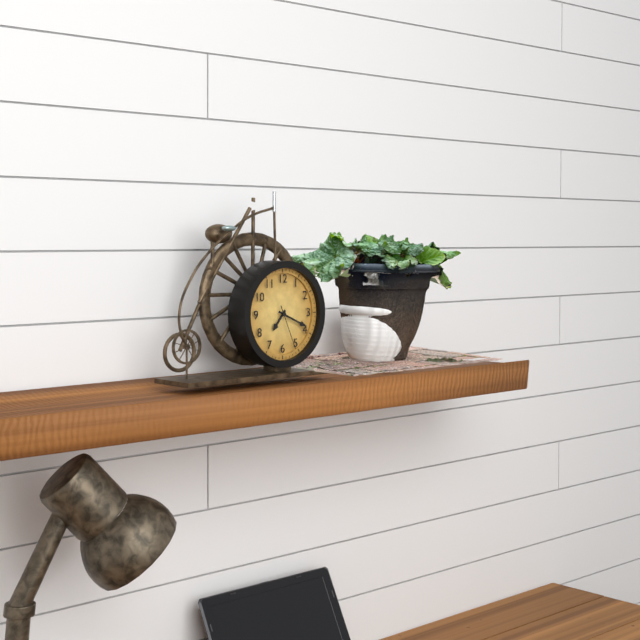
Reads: 7,19
